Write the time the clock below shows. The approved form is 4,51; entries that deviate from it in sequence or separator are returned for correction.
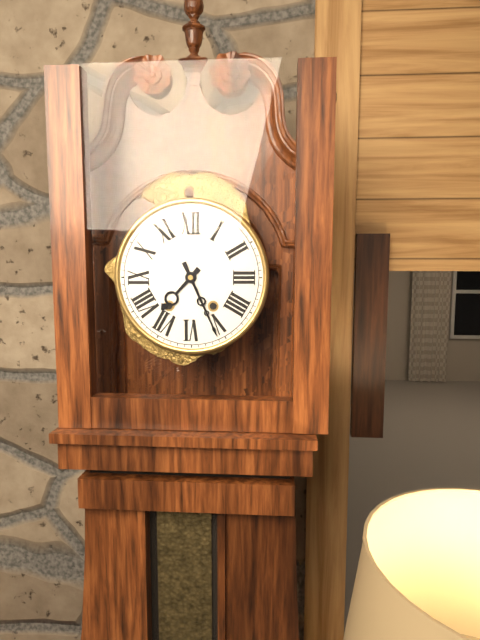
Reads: 7,26
